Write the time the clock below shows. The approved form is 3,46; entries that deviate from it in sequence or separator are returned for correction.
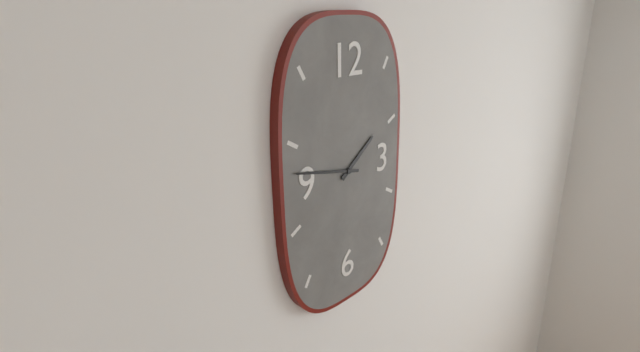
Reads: 1,47
